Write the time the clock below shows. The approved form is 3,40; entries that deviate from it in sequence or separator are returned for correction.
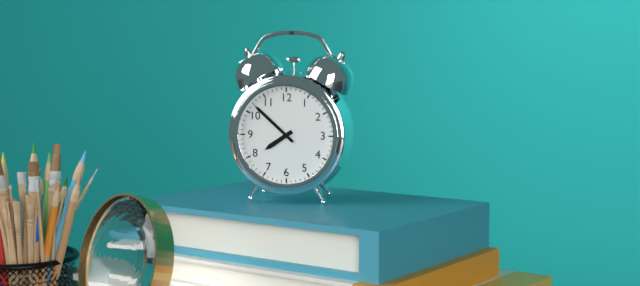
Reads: 7,52
